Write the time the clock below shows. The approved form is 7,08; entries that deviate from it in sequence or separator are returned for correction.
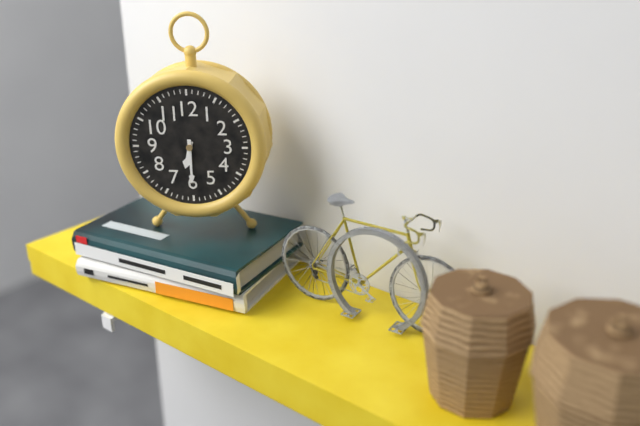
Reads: 6,30
